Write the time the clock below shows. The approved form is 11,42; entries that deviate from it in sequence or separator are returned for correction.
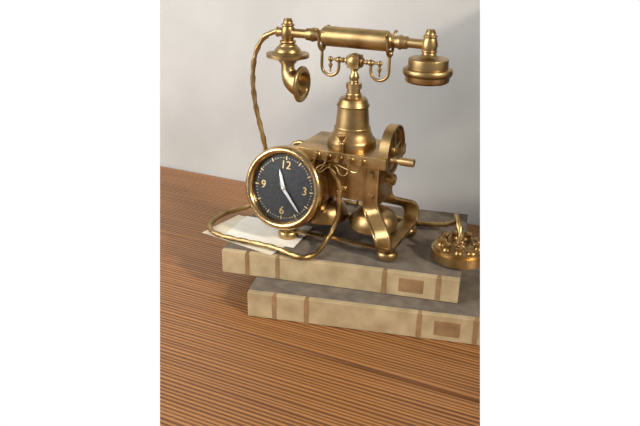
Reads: 11,23
